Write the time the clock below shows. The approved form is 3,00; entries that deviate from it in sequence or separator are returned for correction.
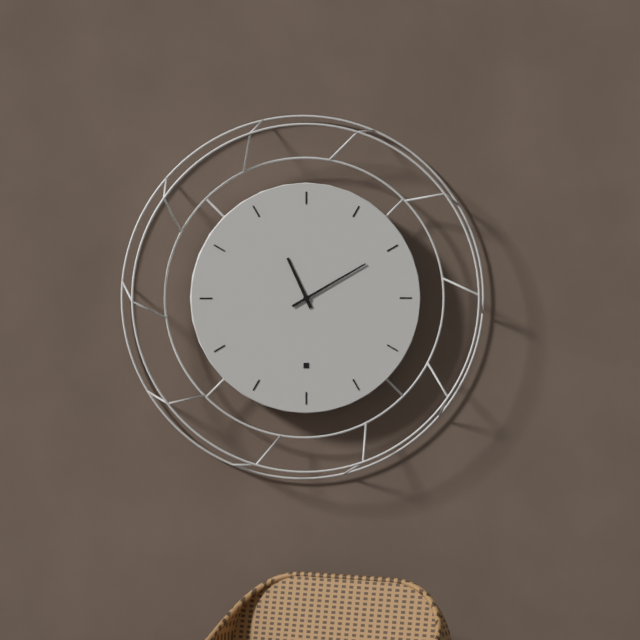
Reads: 11,10
